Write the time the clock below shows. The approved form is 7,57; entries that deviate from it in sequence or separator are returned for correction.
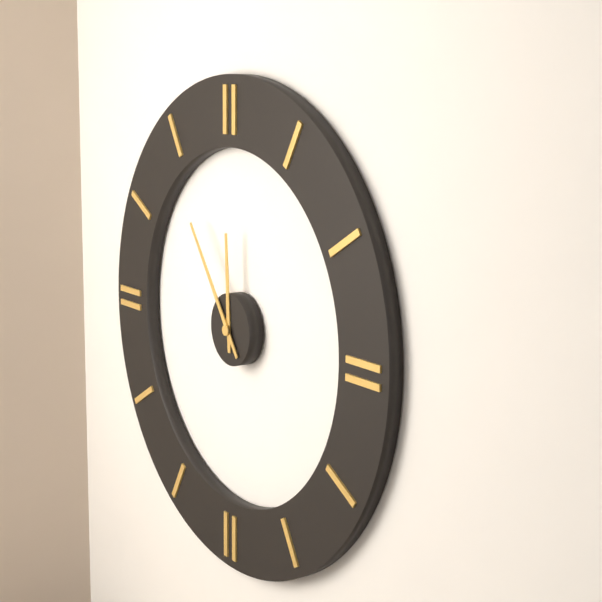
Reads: 11,54
